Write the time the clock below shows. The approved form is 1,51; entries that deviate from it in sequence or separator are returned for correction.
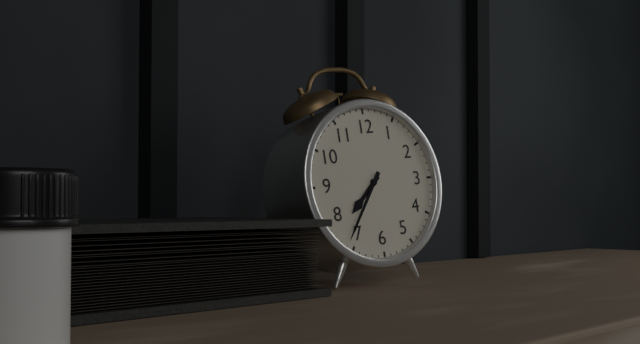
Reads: 7,36
